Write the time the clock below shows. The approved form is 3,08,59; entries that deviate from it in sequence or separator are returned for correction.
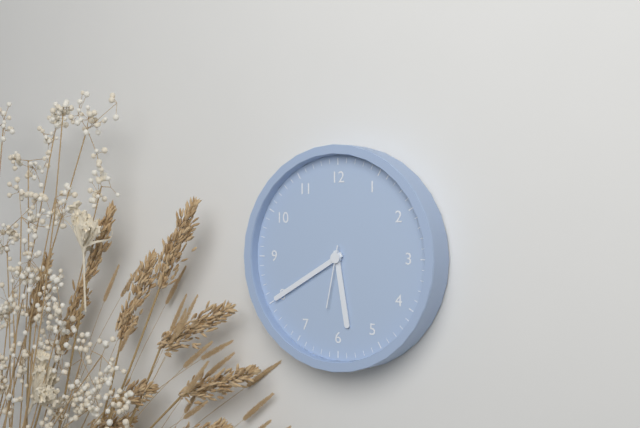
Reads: 5,40,32
